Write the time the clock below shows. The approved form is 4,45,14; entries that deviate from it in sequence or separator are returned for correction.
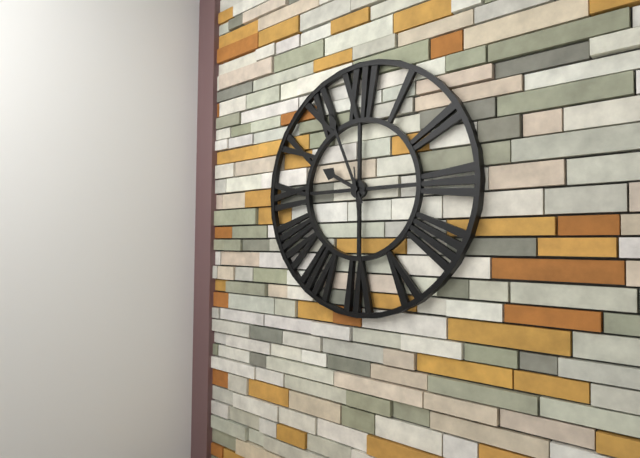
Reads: 9,56,29
